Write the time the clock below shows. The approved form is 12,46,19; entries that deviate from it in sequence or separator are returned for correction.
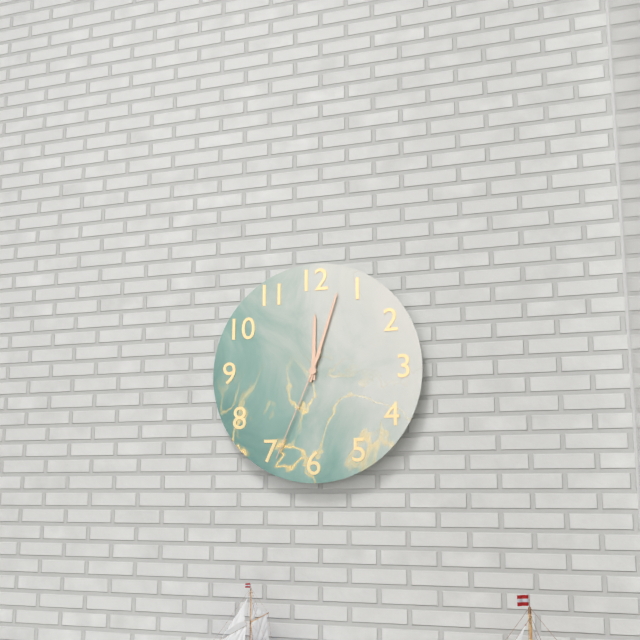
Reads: 12,03,34
